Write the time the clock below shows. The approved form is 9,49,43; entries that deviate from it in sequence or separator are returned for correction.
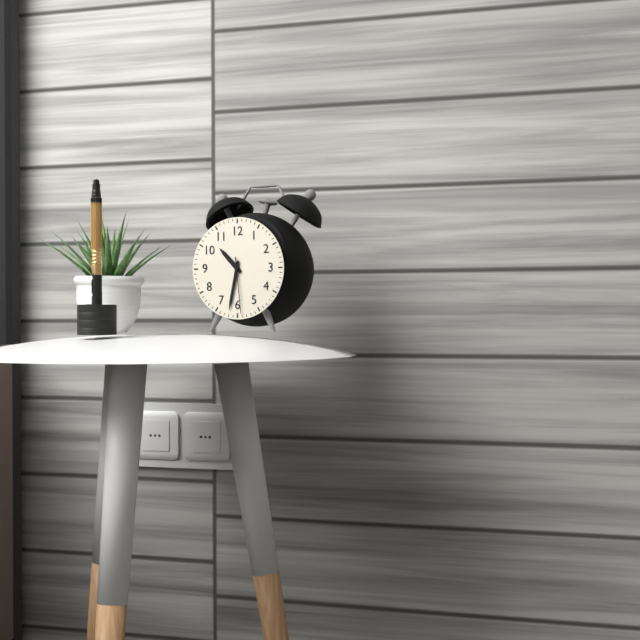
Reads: 10,32,29
